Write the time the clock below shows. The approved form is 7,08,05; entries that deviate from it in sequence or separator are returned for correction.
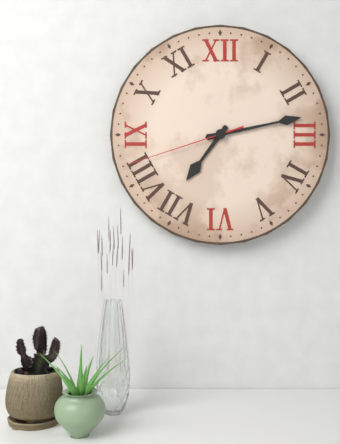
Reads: 7,13,42
